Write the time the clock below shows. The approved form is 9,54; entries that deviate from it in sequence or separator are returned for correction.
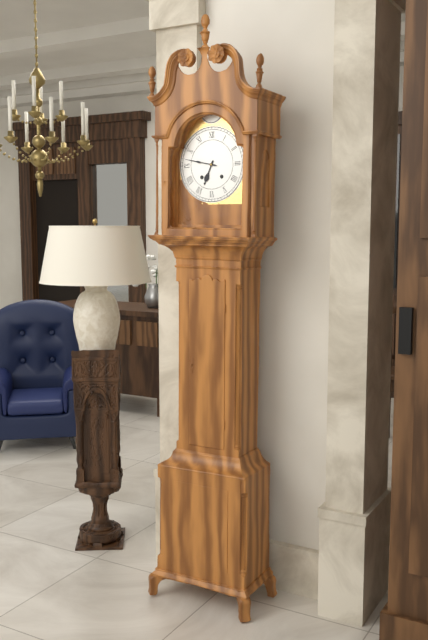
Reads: 6,47
